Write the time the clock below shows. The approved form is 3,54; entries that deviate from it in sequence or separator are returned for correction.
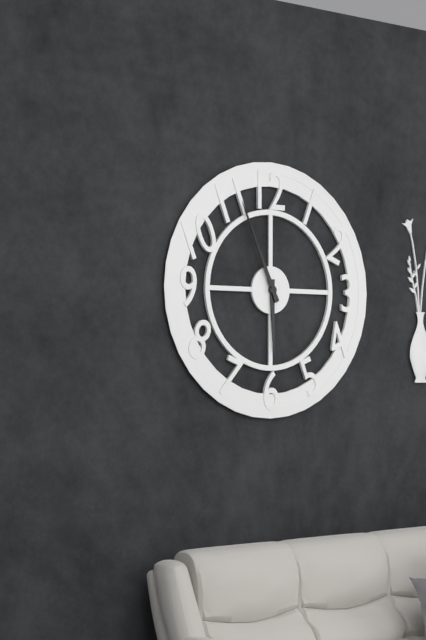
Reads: 5,56
